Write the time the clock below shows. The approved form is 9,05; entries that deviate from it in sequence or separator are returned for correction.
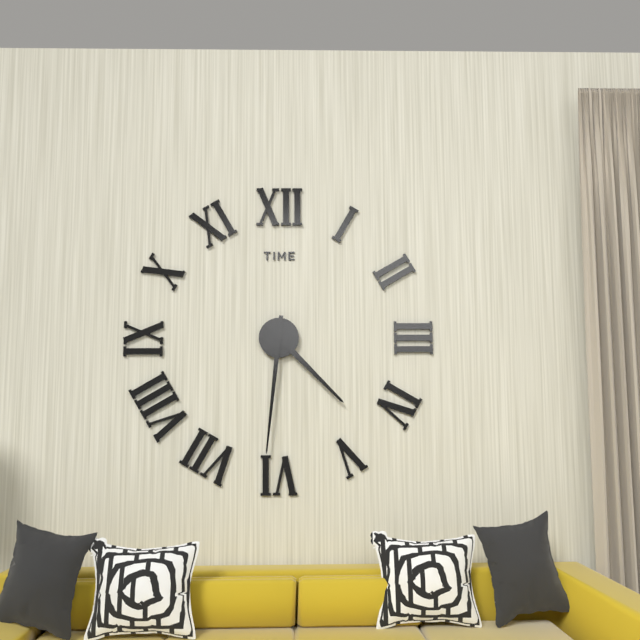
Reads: 4,31
